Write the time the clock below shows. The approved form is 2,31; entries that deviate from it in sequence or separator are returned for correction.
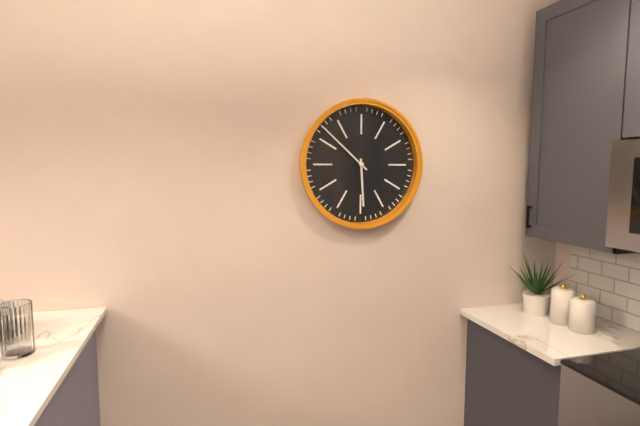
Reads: 5,52
